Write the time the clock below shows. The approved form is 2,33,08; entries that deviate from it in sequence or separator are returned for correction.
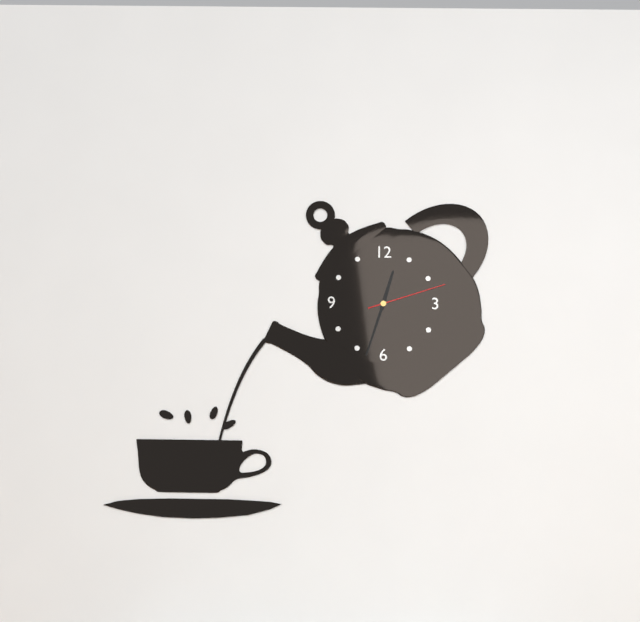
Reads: 12,33,12
